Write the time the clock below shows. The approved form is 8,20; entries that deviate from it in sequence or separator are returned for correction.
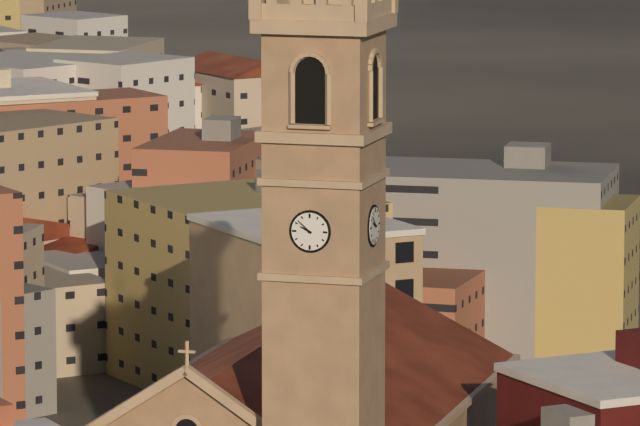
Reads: 9,52
